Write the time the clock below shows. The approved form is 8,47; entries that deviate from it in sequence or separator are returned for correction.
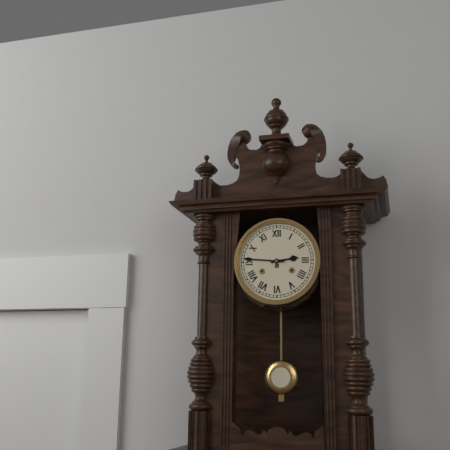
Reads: 2,46
